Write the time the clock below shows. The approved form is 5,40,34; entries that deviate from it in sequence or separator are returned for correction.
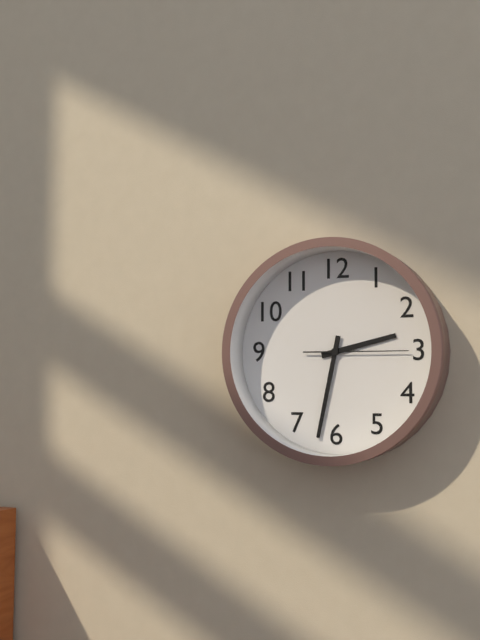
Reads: 2,32,15
